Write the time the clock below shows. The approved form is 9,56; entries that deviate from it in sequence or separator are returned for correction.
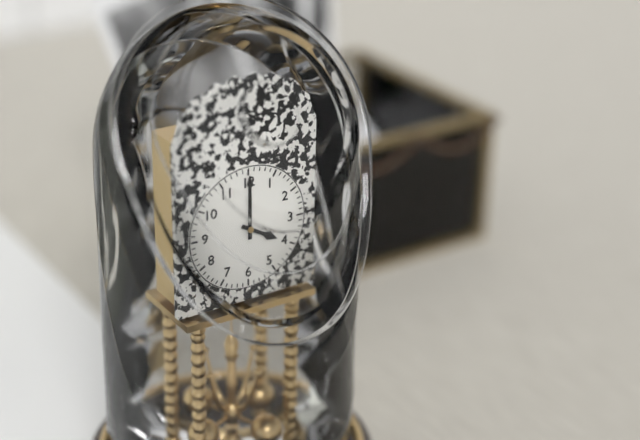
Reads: 4,00
